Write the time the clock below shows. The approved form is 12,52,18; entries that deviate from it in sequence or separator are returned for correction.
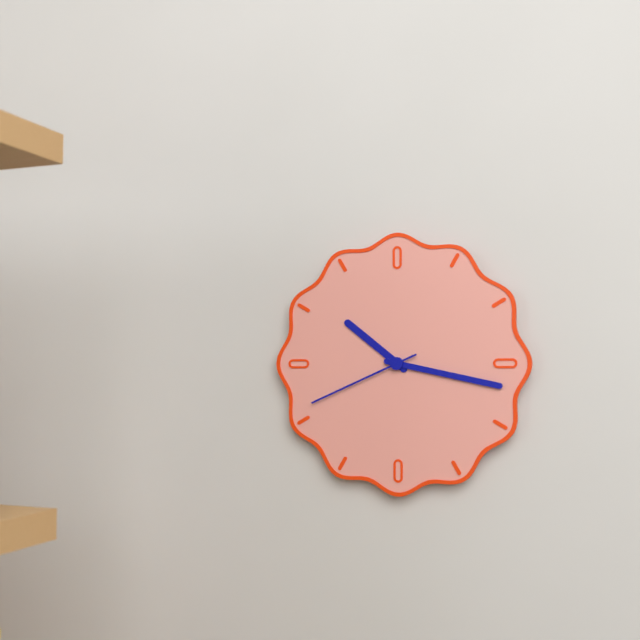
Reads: 10,17,41
